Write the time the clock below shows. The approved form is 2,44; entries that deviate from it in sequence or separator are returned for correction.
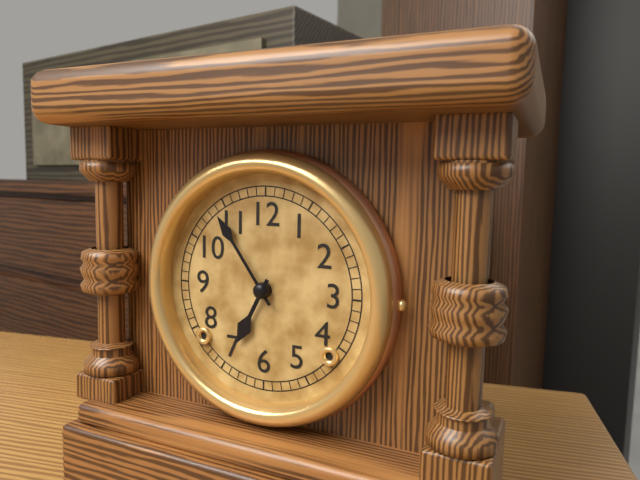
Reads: 6,54
